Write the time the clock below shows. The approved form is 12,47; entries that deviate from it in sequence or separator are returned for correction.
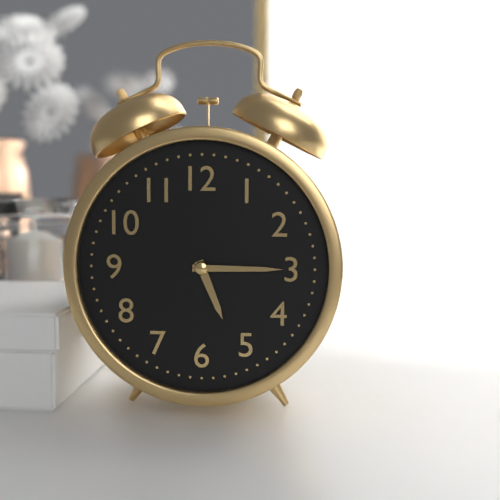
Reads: 5,15
